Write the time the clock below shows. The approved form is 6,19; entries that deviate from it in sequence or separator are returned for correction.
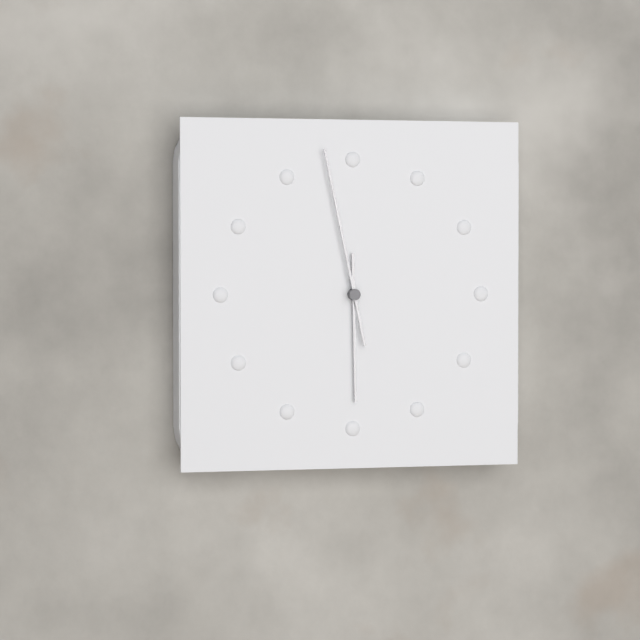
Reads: 5,58
